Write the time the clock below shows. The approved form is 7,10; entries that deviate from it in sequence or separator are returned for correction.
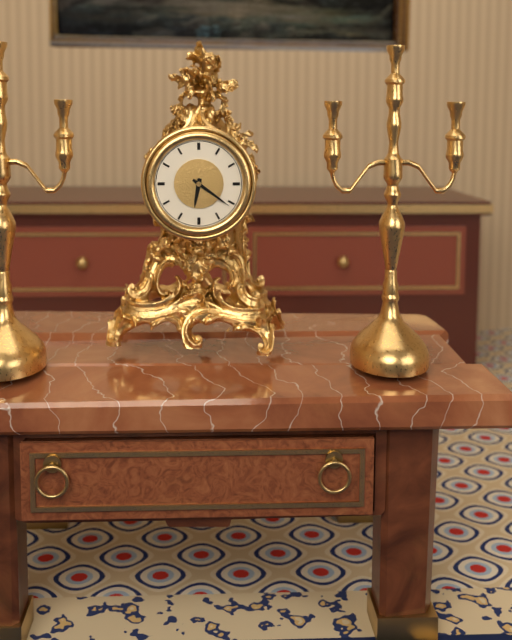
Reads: 6,21
